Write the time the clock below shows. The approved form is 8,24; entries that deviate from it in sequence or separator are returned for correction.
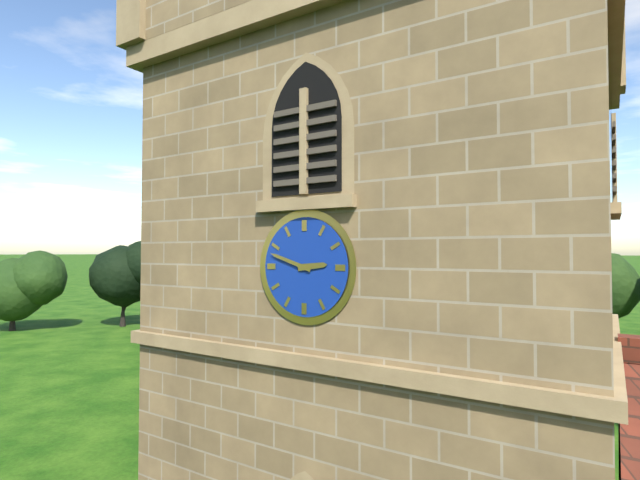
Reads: 2,48
